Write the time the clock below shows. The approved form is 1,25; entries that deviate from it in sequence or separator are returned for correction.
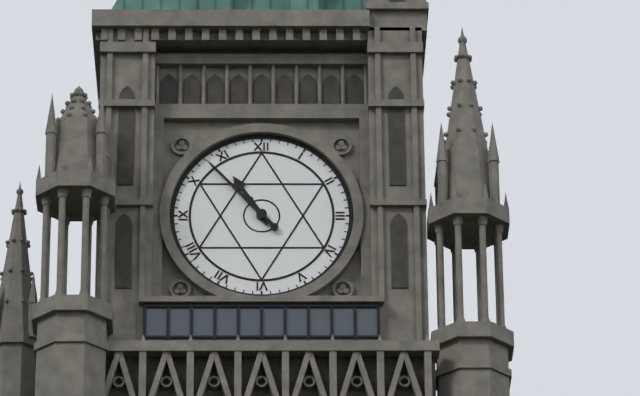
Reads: 10,53
